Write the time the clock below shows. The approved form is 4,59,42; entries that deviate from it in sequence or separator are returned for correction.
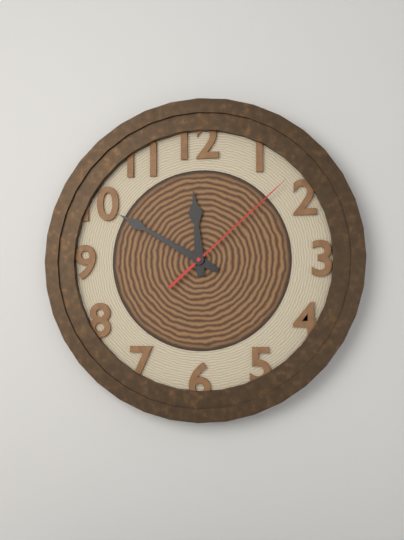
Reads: 11,50,08
